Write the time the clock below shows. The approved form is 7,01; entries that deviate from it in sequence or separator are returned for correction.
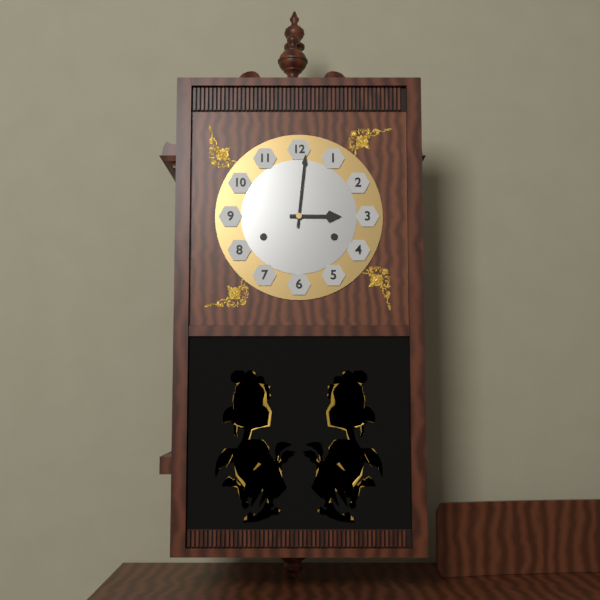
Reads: 3,01
